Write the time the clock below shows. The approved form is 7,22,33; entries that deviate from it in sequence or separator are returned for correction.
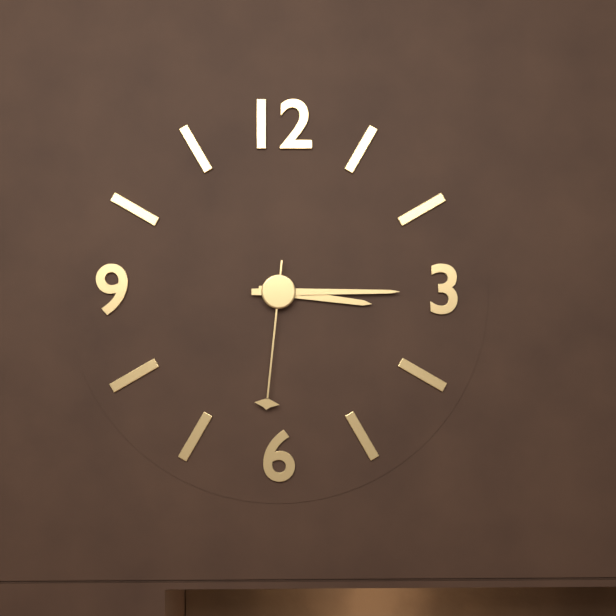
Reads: 3,15,31
